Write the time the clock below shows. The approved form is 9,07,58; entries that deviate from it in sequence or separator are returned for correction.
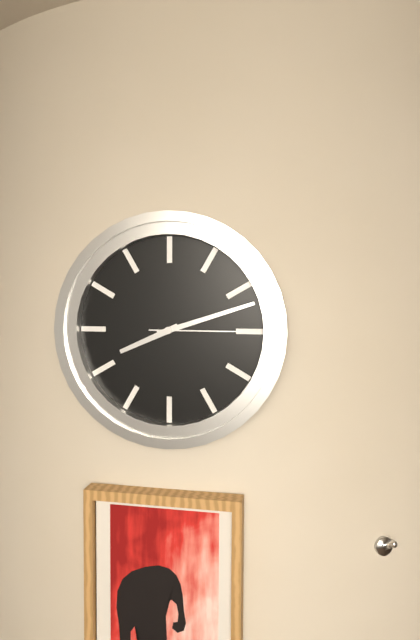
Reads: 8,12,15
